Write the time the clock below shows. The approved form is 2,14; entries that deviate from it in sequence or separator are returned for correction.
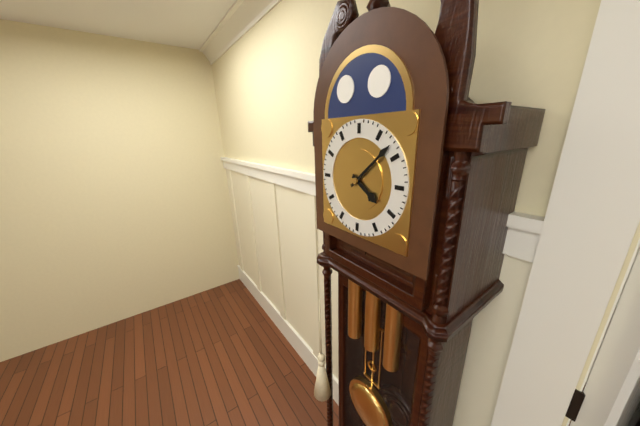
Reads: 4,08
